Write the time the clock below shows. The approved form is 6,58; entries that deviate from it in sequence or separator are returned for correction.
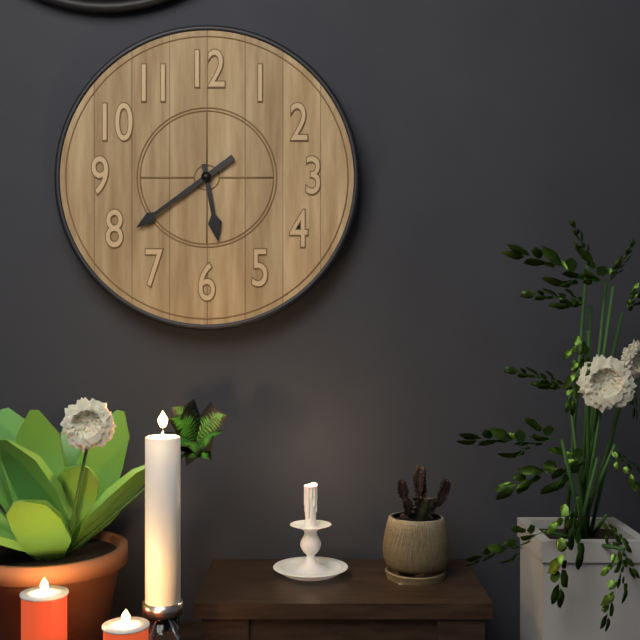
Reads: 5,39
